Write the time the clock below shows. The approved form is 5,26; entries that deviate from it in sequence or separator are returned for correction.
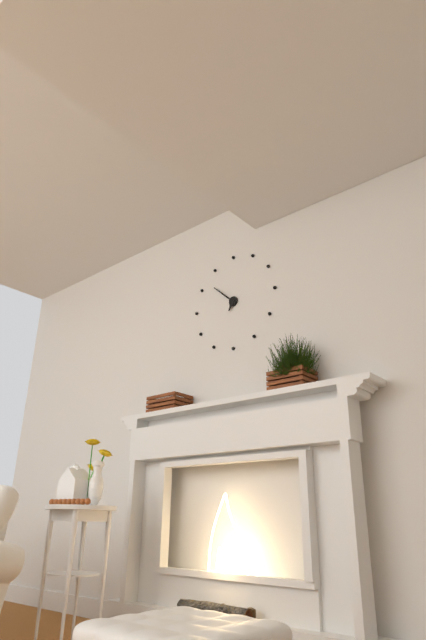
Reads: 6,52
